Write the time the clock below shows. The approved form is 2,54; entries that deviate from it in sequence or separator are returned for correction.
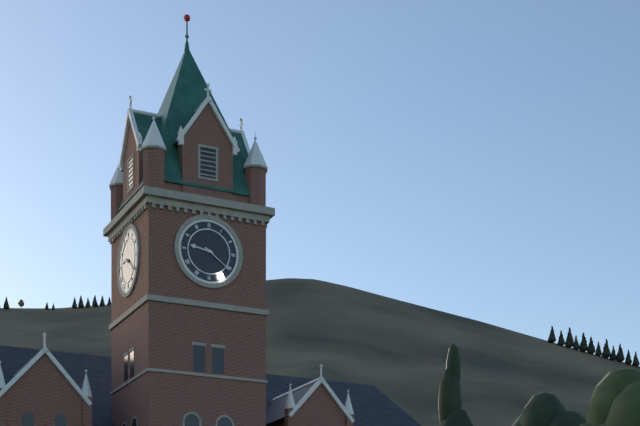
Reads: 9,21
